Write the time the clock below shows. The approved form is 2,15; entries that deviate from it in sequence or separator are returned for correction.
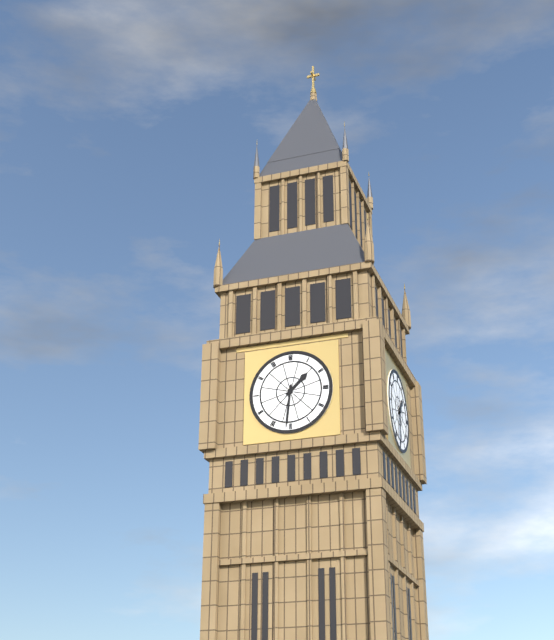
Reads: 1,31
